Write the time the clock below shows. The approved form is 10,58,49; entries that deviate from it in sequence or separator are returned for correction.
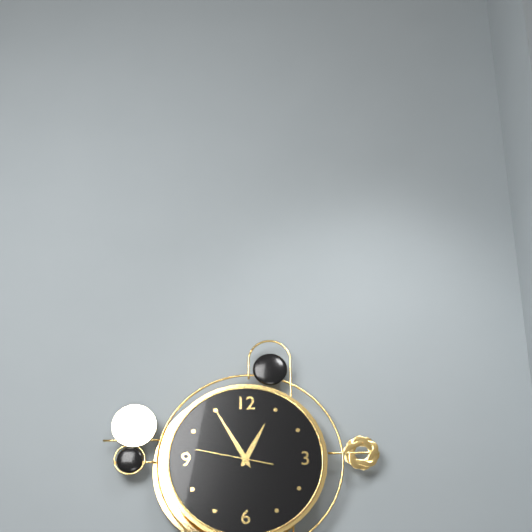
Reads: 12,55,47
